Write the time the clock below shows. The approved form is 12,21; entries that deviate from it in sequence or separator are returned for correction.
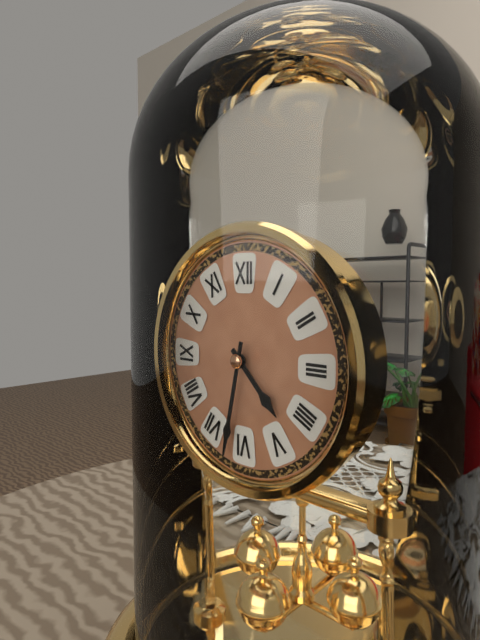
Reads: 4,32
